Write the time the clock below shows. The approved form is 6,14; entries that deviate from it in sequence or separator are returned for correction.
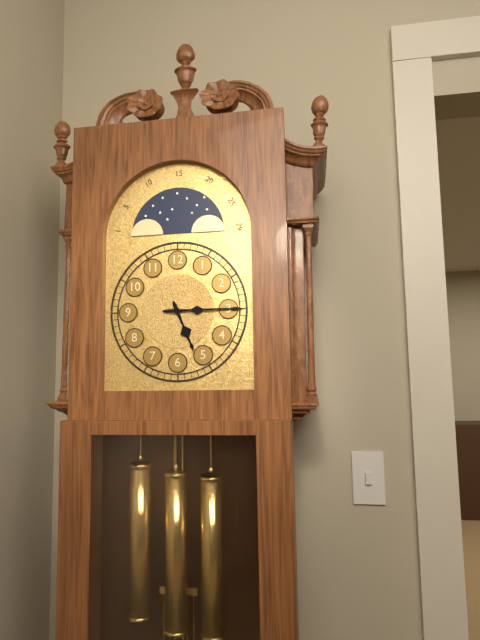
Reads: 5,15
